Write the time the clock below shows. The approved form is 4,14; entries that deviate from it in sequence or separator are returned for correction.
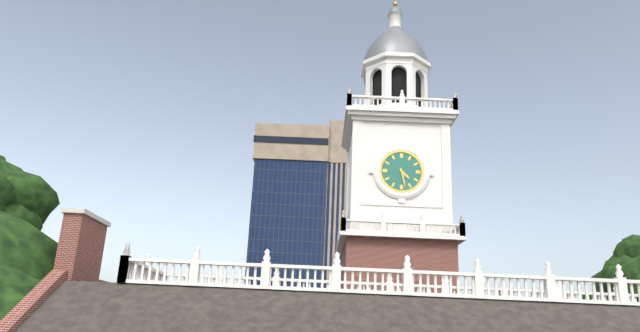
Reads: 4,28
